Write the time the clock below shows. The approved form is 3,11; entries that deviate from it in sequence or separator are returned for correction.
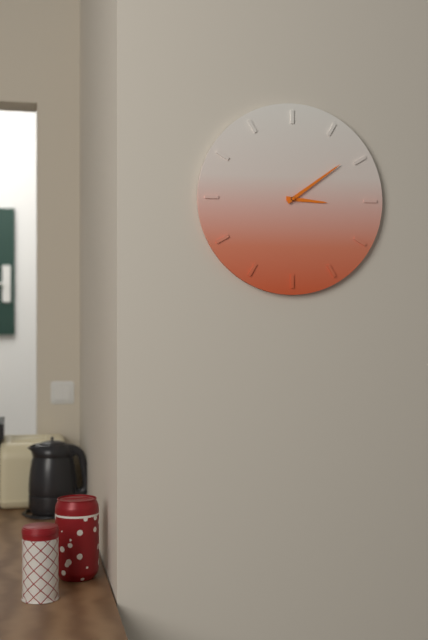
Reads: 3,09
